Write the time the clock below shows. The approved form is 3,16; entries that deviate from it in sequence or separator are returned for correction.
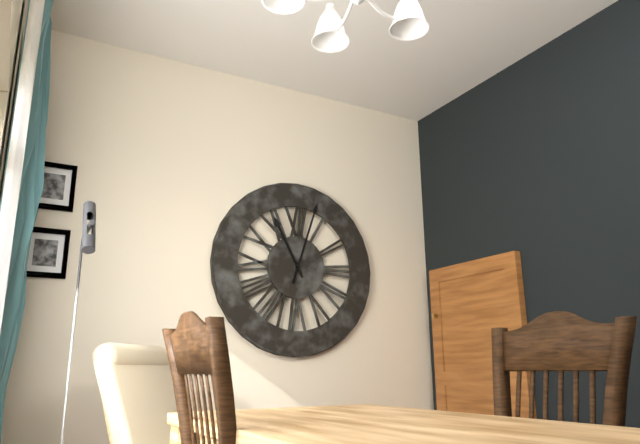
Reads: 11,03
